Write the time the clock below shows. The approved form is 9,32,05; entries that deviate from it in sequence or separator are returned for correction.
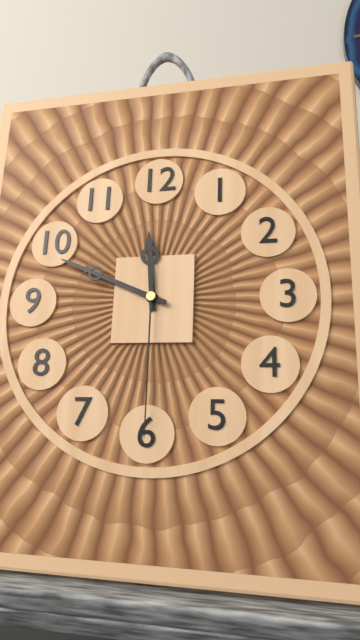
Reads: 11,49,30
